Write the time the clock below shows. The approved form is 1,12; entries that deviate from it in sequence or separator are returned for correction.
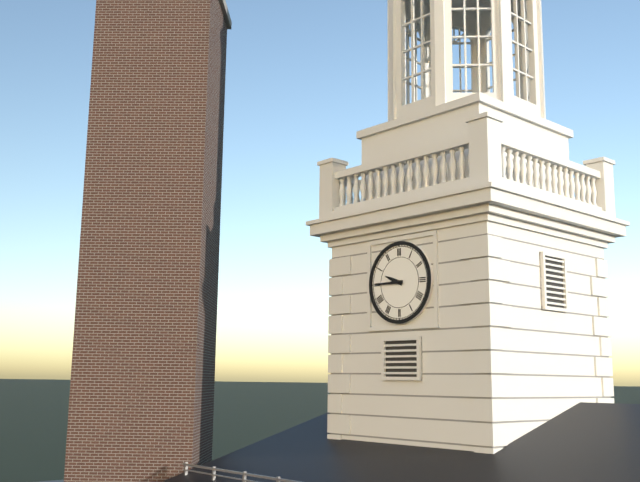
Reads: 9,45
